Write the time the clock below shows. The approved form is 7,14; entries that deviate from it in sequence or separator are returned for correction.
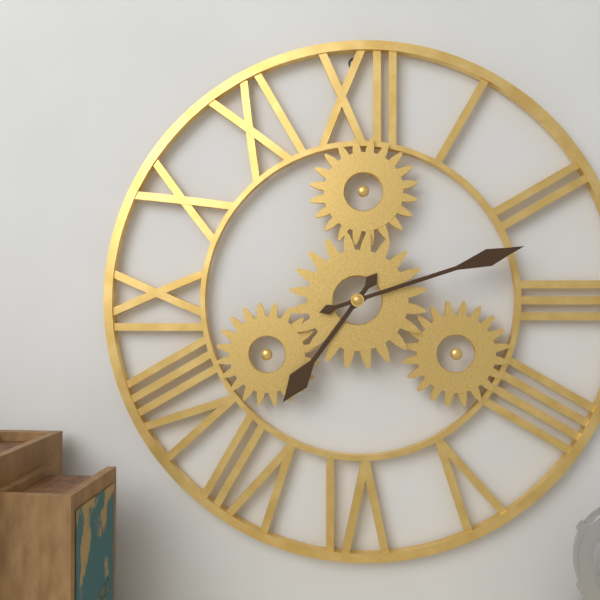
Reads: 7,12
